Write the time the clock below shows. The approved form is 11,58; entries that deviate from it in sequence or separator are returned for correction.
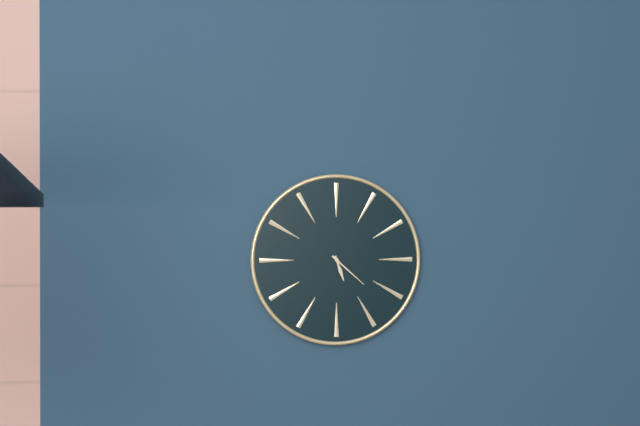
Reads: 5,22
